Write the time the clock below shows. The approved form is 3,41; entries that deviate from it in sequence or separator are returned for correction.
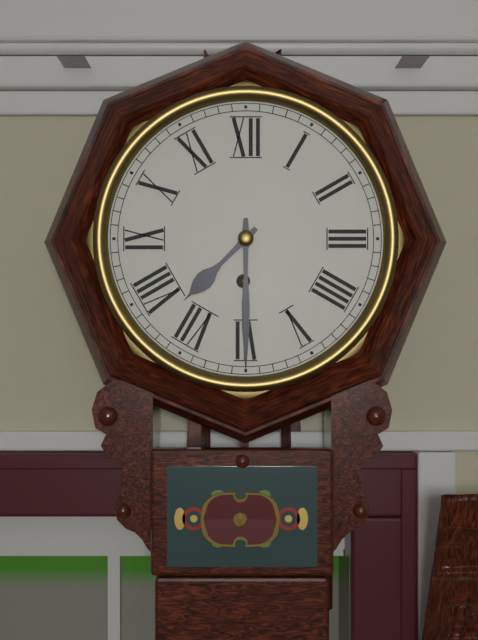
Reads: 7,30
